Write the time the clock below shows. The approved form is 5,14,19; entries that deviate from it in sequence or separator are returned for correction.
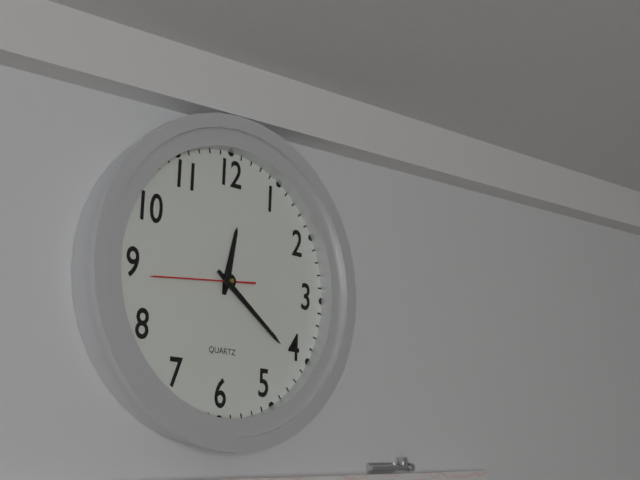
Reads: 12,21,44
